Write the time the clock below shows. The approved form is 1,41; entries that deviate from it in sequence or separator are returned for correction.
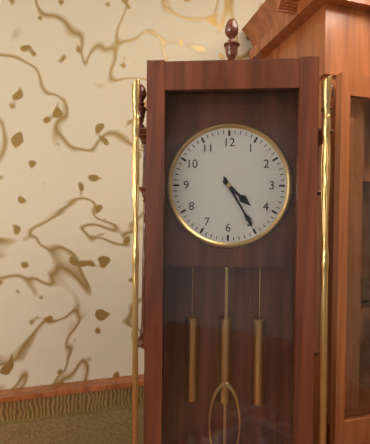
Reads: 4,25
